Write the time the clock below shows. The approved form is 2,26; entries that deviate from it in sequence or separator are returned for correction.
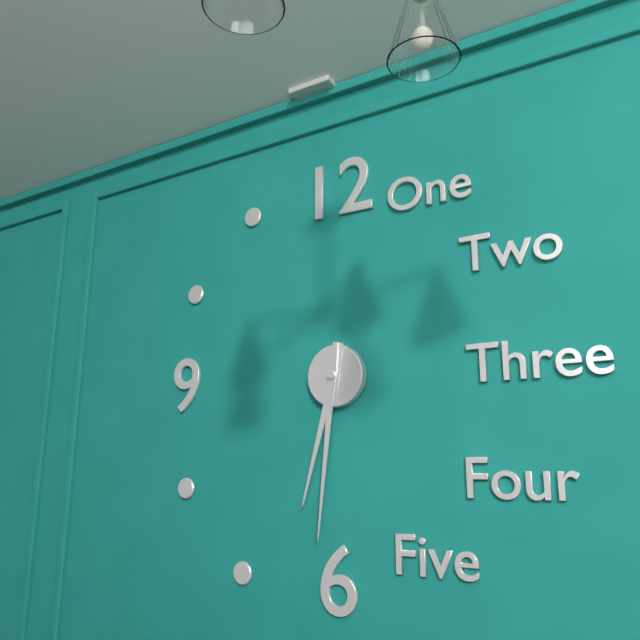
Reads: 6,31
